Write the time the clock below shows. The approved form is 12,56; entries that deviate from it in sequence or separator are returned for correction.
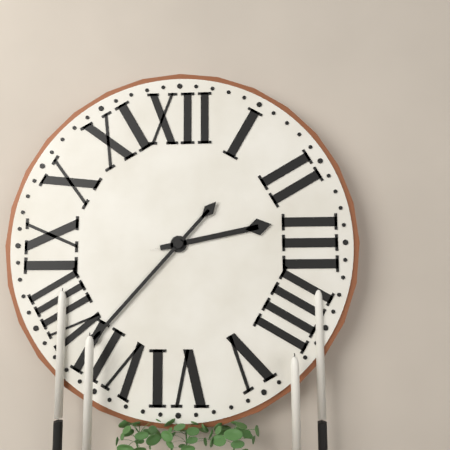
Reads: 2,37
